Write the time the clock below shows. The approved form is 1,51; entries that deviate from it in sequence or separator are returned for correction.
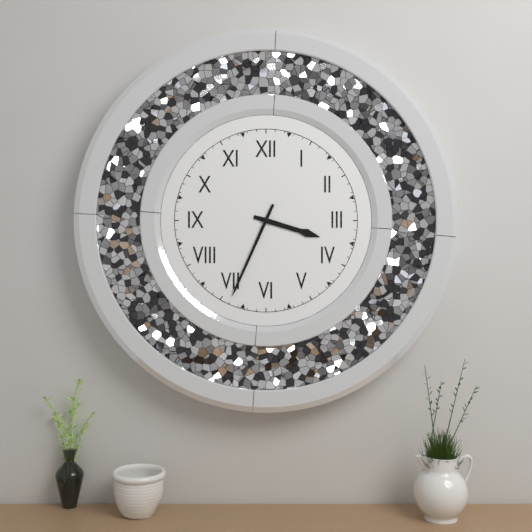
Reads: 3,34
